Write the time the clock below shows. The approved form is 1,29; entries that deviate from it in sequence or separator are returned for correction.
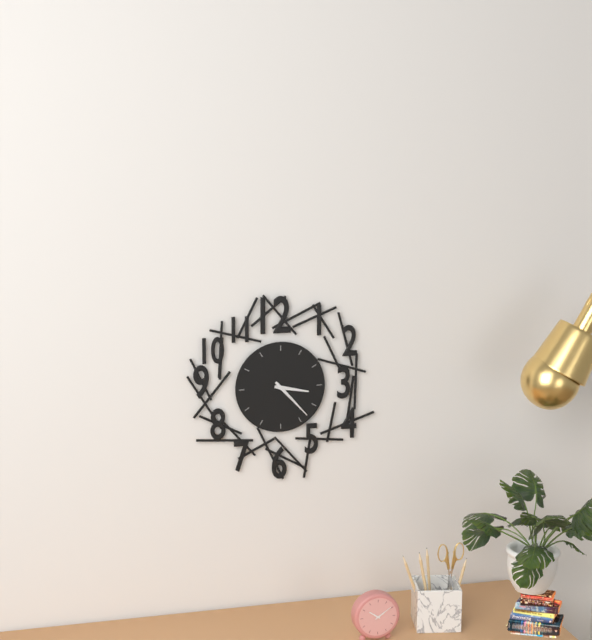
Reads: 3,23
